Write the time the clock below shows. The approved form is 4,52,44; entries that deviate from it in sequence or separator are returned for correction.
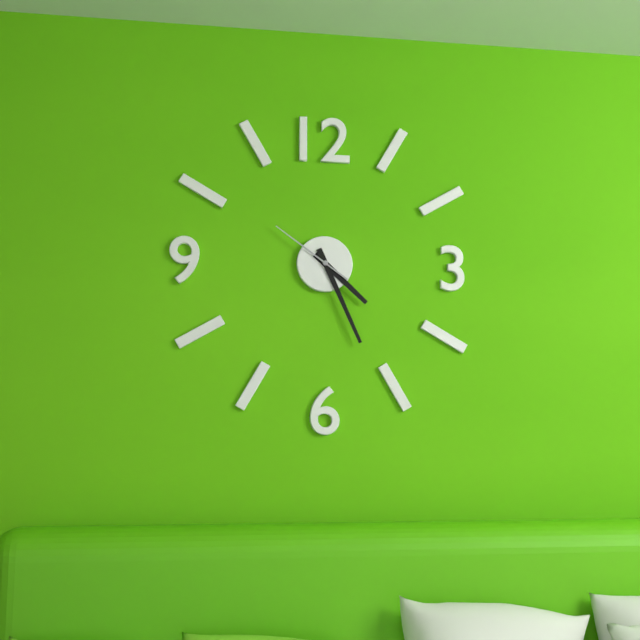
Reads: 4,26,51
